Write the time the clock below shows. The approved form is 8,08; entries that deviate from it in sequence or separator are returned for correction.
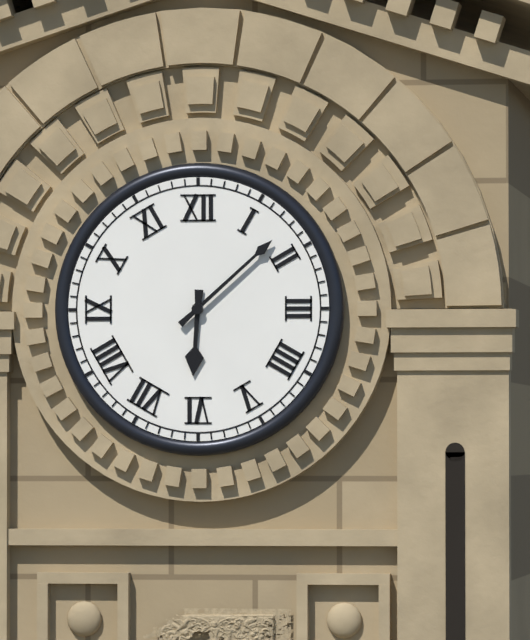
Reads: 6,08
